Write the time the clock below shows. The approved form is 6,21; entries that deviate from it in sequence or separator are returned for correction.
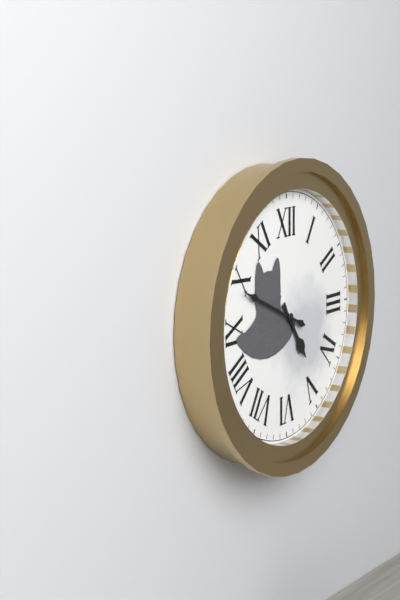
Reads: 4,49
